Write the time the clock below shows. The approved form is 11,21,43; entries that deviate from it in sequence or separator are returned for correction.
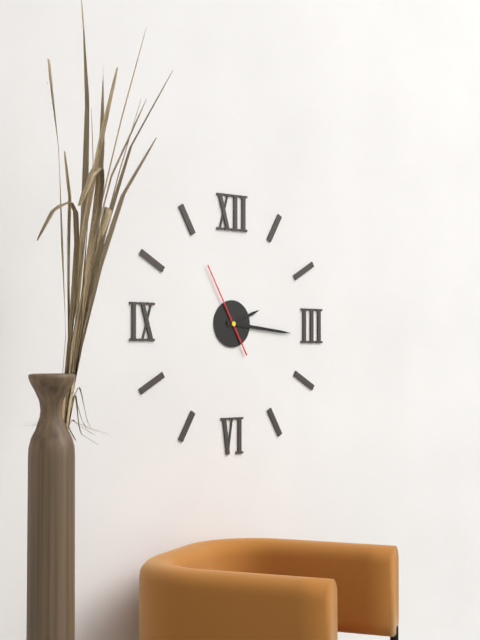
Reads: 2,16,55
